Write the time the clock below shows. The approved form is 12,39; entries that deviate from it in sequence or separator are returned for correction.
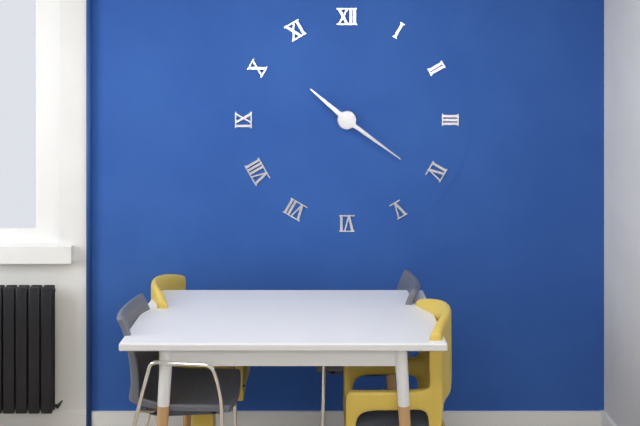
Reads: 10,21
